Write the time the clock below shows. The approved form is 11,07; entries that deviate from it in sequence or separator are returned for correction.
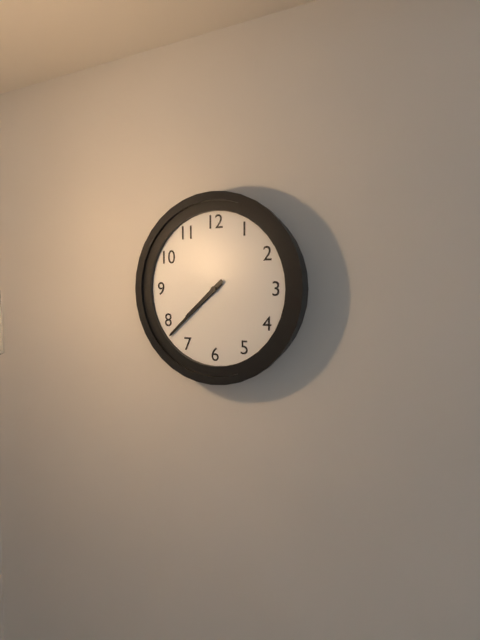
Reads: 7,38
